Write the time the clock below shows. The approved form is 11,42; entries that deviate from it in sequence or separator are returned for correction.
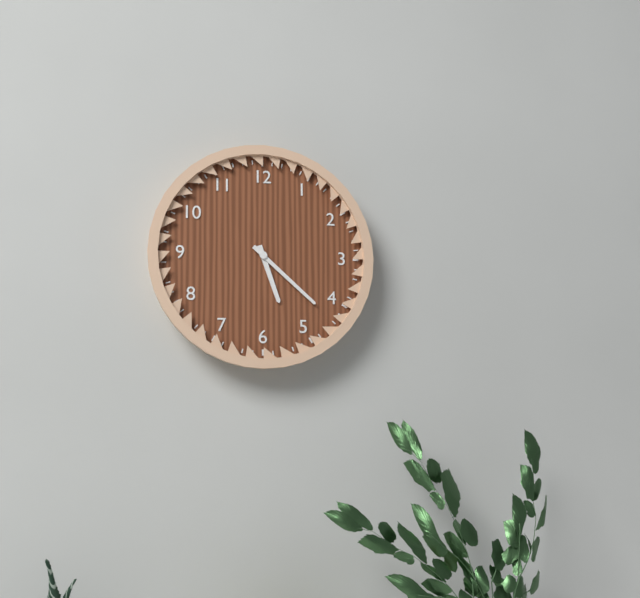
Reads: 5,22
